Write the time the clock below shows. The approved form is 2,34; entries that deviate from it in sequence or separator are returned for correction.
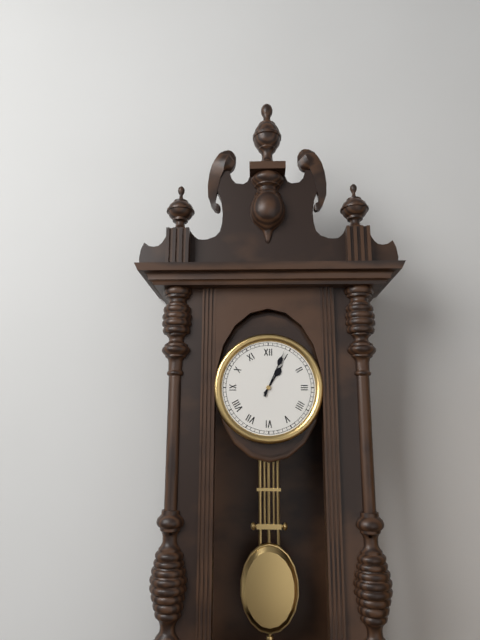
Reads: 1,04
